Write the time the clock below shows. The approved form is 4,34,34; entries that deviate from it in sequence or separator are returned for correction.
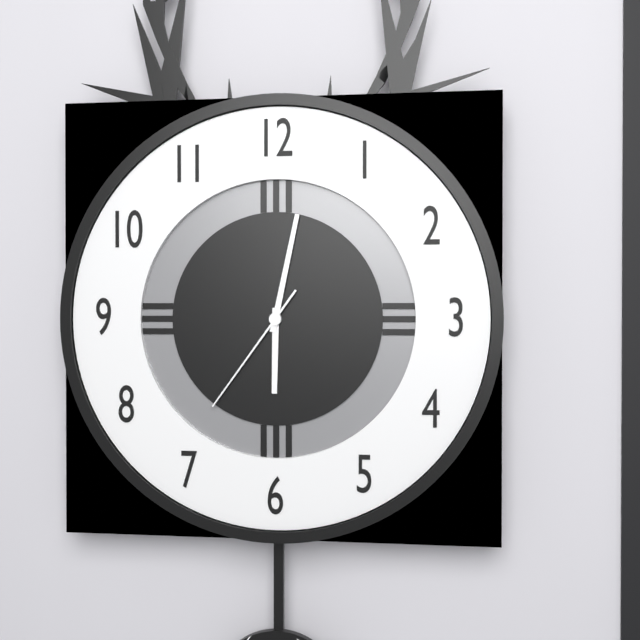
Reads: 6,02,36
